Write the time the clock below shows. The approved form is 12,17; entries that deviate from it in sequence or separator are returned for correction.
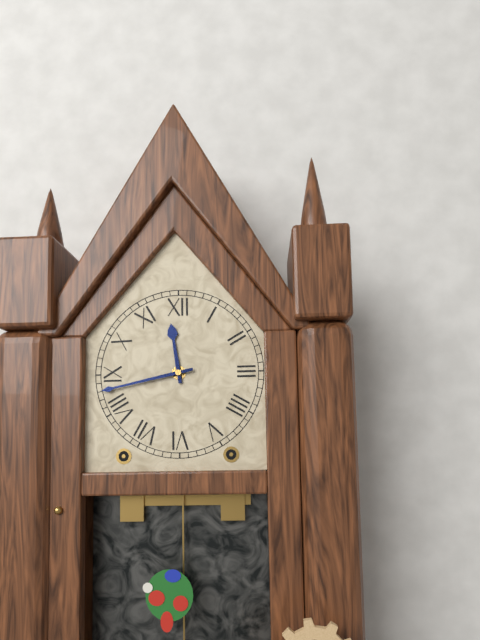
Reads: 11,43
